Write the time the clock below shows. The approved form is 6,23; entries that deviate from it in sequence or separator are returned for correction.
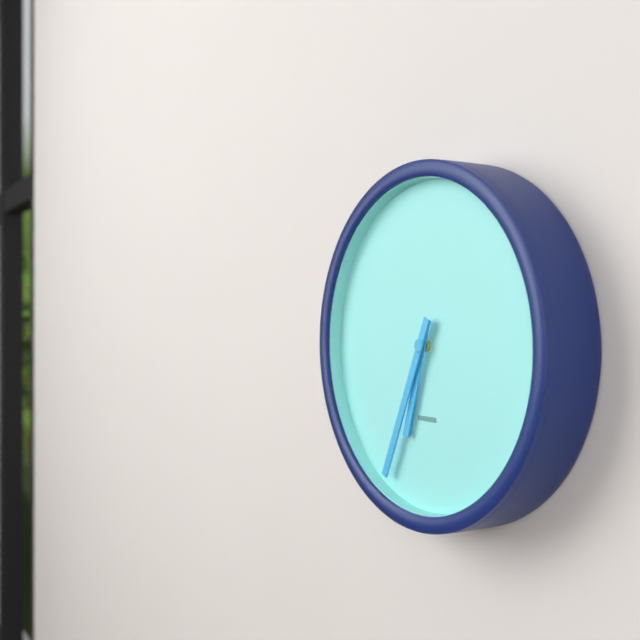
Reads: 6,34
